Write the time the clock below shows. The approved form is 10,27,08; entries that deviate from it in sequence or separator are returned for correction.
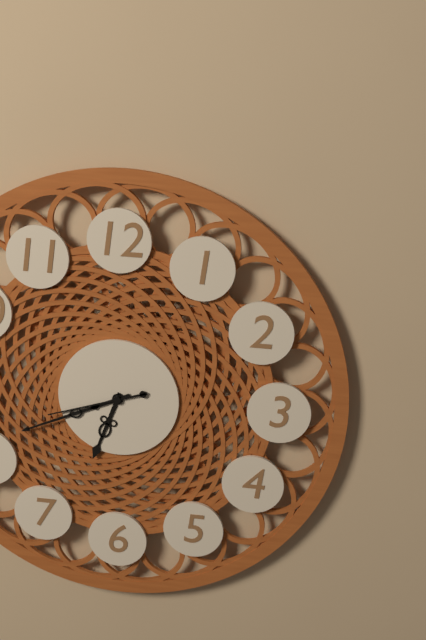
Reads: 6,41,42
